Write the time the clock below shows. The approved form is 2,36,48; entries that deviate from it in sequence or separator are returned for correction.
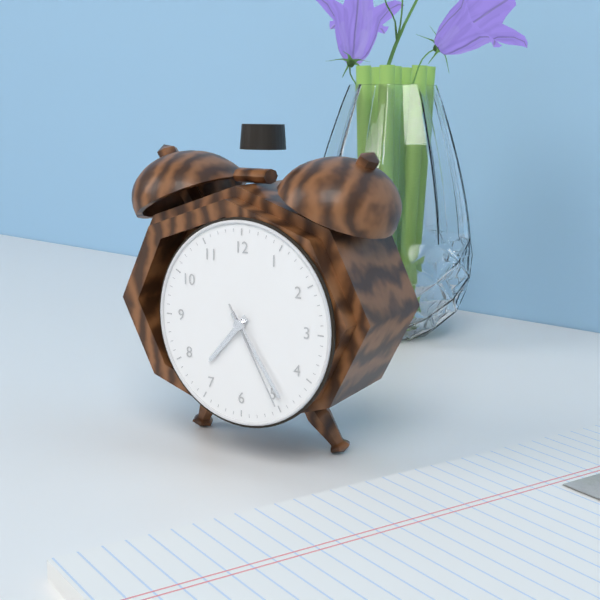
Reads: 7,24,25
